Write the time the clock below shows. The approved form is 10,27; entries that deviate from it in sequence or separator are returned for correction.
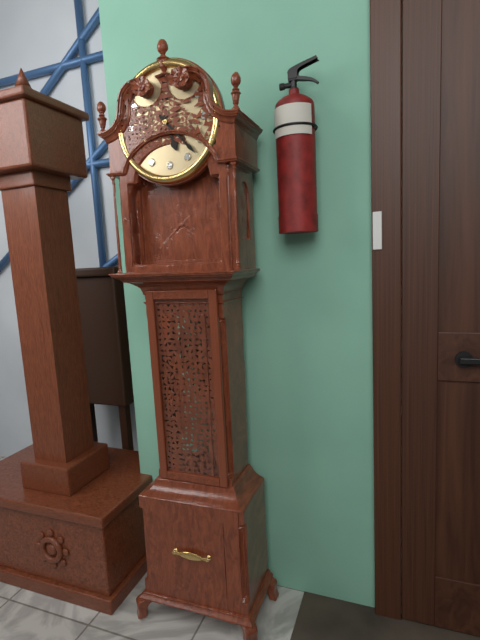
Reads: 5,23
